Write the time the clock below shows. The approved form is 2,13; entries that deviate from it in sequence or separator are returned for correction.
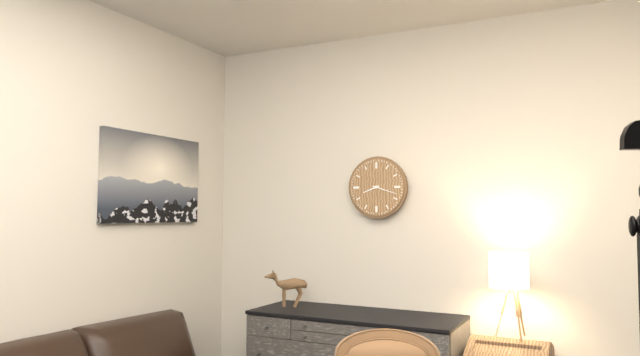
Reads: 8,18
